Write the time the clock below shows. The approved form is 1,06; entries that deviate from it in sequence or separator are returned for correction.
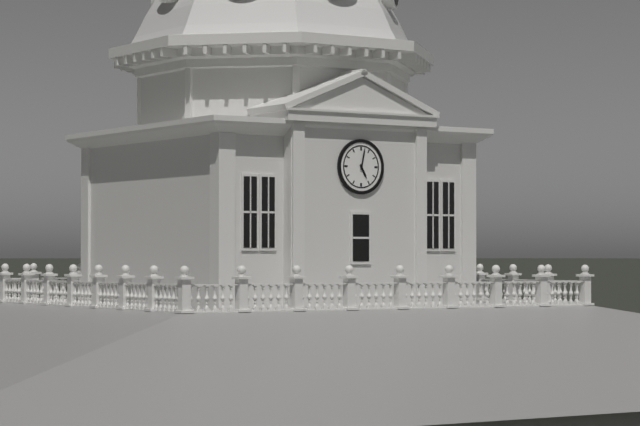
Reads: 5,02
